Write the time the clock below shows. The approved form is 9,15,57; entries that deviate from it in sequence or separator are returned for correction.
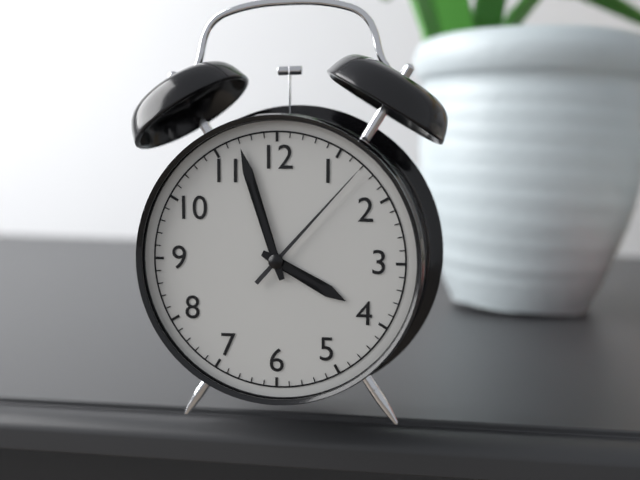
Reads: 3,57,07
